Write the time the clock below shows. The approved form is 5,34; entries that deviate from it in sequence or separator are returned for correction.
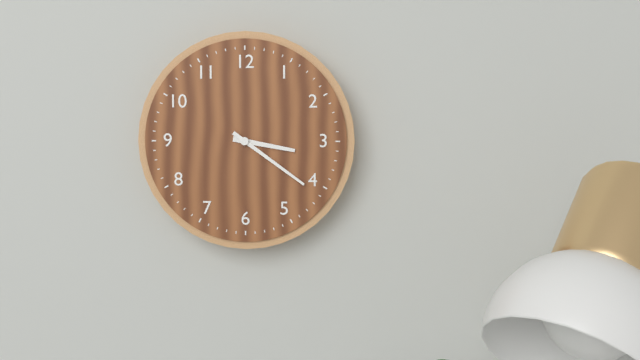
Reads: 3,21
